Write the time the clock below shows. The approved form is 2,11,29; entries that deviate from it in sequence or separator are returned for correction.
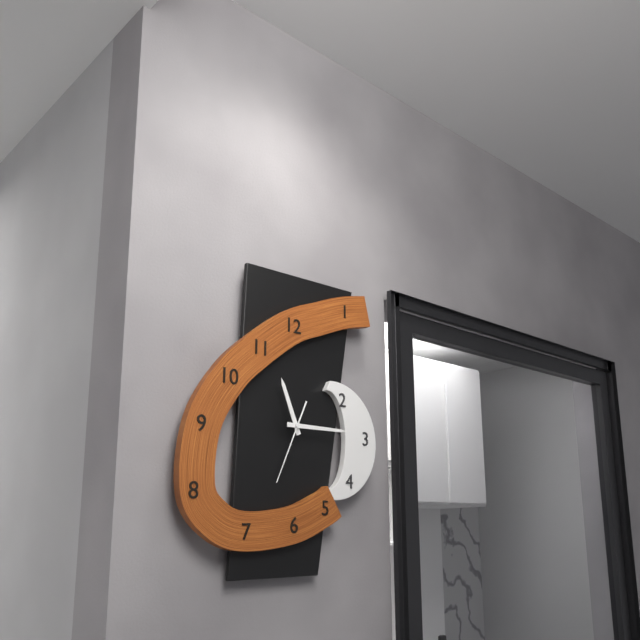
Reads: 11,15,34
